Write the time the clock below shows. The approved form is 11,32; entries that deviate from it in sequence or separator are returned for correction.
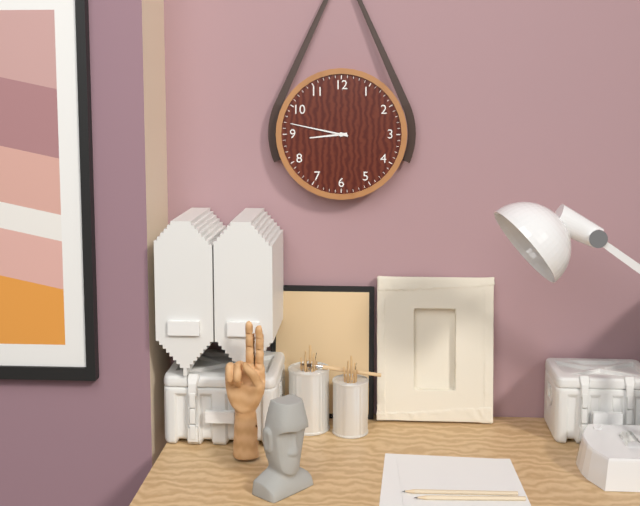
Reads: 8,47
